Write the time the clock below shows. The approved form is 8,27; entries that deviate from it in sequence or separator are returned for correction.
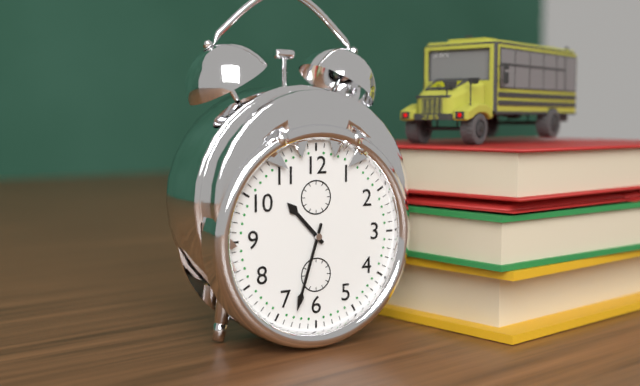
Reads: 10,33
